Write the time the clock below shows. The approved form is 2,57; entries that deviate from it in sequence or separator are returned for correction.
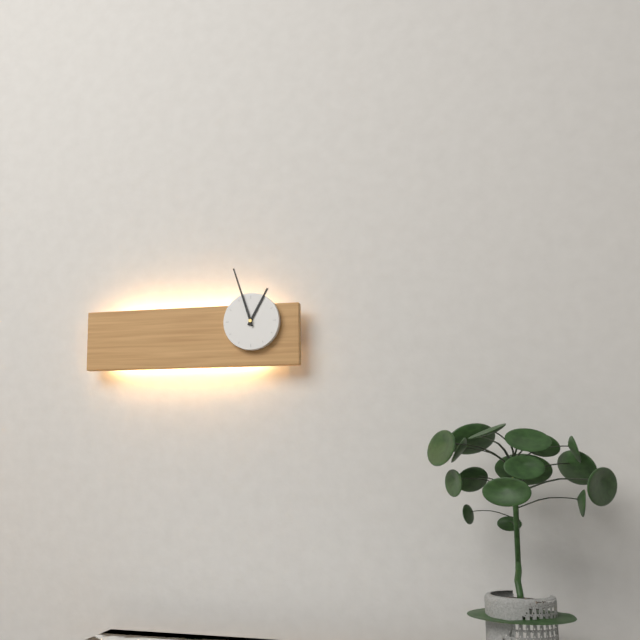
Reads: 12,57
